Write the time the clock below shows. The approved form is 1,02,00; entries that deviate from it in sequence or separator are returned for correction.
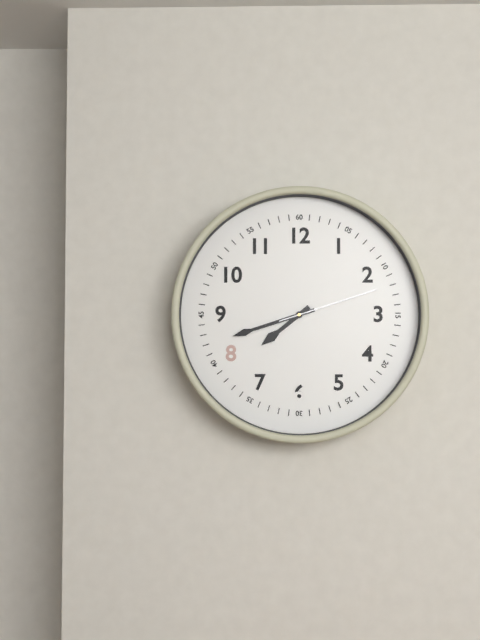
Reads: 7,42,12
